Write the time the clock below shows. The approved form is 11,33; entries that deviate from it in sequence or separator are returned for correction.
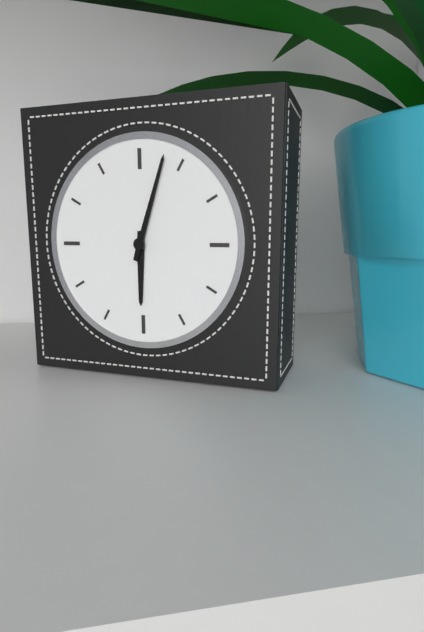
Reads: 6,03
